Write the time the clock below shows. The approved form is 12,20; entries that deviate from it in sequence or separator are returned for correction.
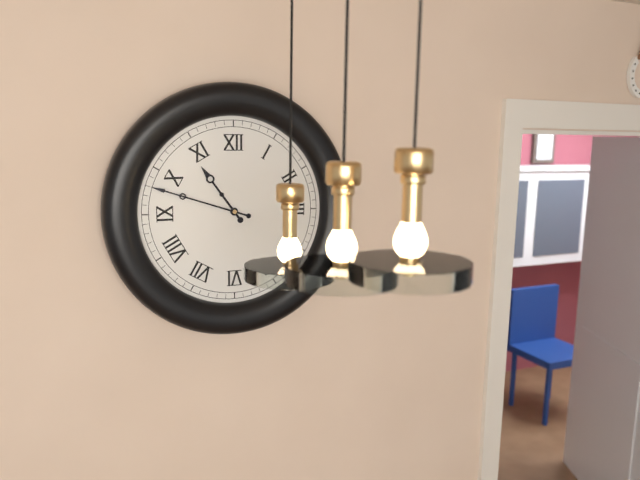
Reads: 10,48
